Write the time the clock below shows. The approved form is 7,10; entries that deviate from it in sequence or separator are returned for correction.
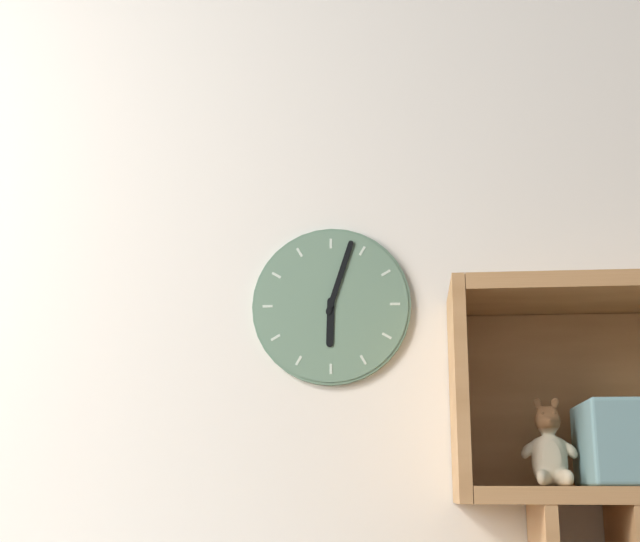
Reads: 6,03
